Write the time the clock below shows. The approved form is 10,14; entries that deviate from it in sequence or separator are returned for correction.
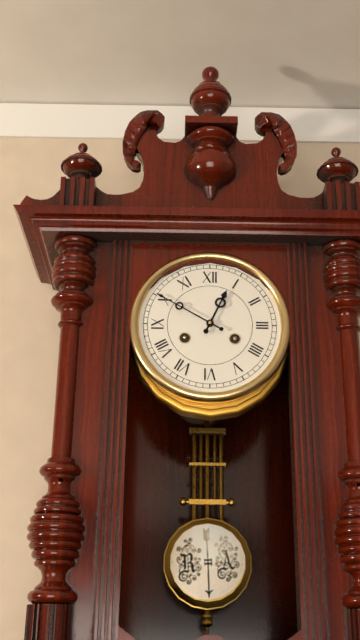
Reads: 12,50
